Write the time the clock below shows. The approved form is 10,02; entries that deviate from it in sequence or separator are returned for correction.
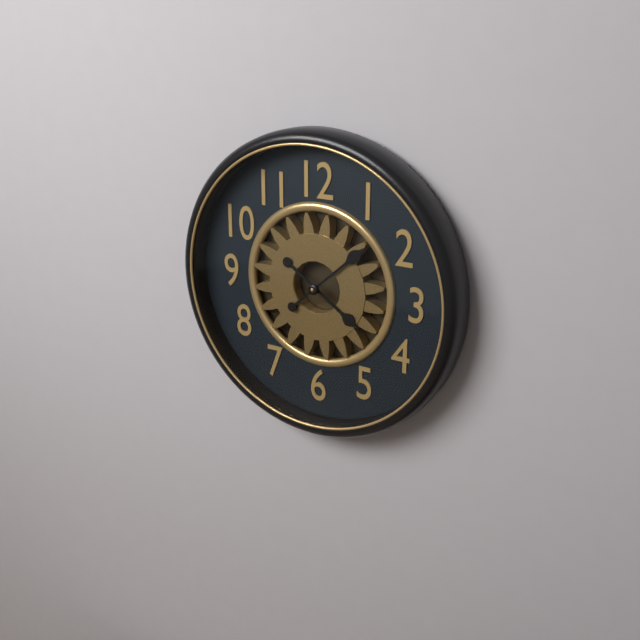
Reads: 4,08
